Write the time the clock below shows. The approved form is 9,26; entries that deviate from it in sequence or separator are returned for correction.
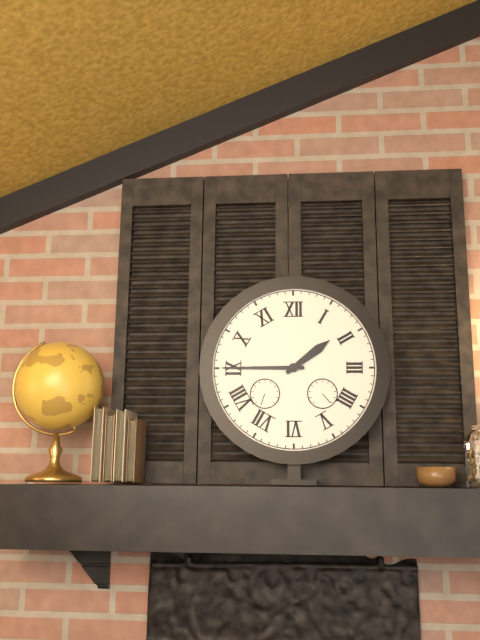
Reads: 1,45
